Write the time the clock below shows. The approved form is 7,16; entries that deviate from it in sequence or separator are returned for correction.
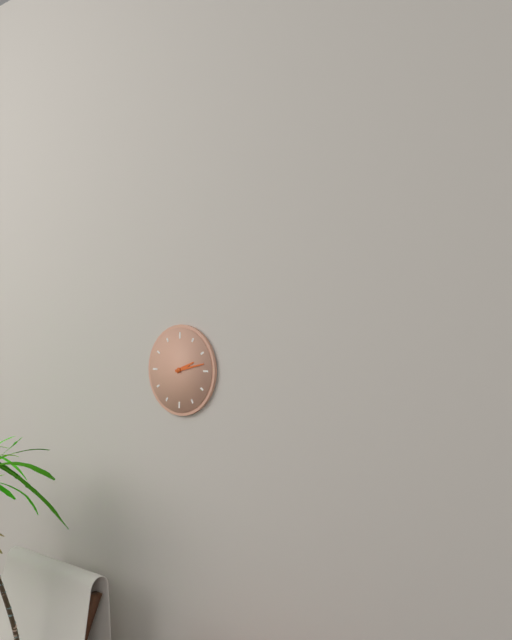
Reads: 2,13
